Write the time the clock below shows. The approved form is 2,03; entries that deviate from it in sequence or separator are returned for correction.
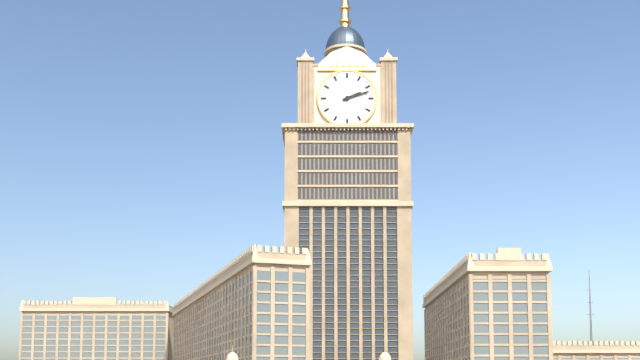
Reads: 2,12
